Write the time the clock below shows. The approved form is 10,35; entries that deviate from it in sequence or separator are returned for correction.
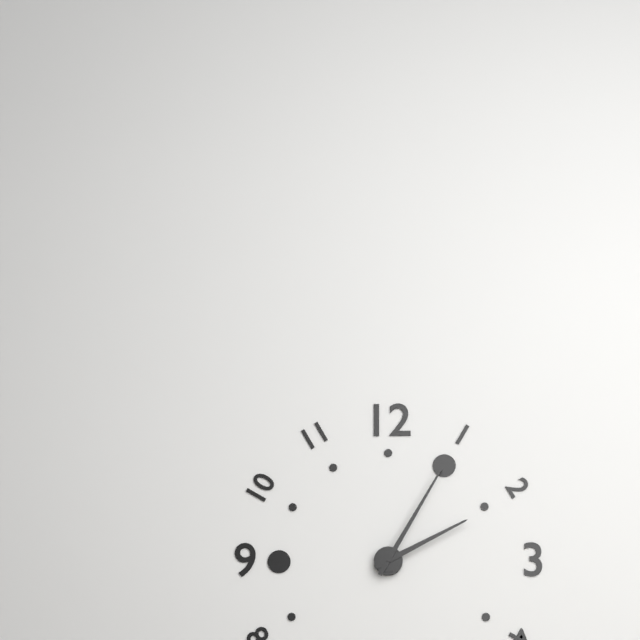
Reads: 2,05
